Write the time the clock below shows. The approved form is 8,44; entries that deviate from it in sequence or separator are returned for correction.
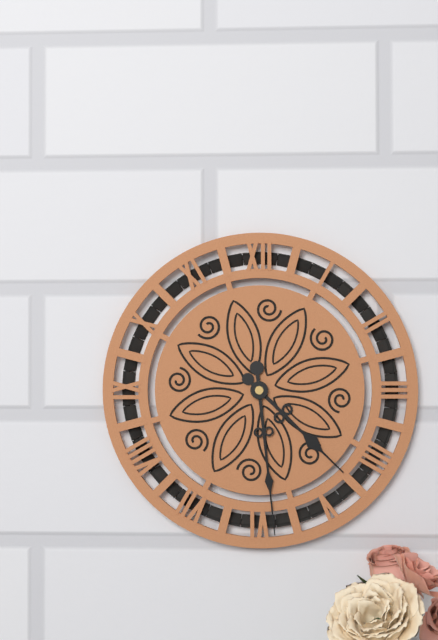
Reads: 4,29
